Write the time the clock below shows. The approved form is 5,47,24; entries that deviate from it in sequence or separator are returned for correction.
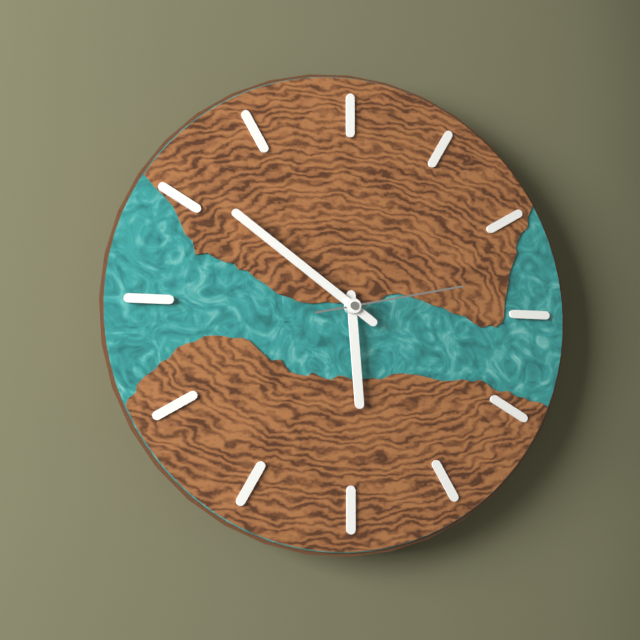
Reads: 5,51,13
